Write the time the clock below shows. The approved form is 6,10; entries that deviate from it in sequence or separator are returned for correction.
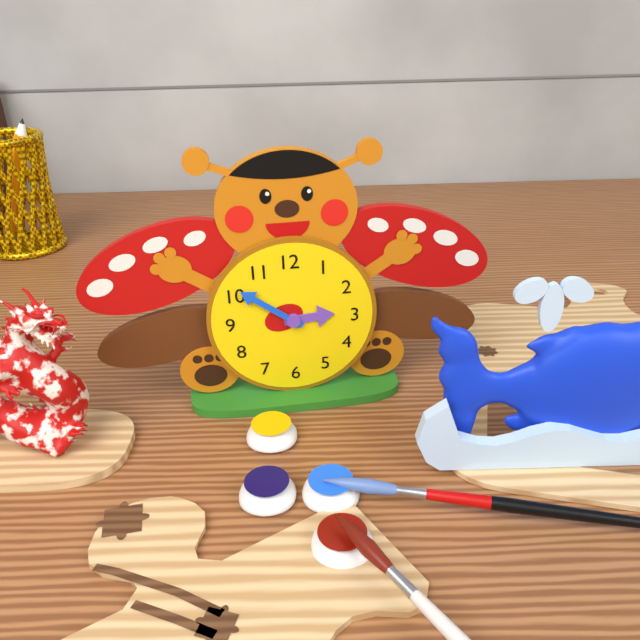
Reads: 2,51
